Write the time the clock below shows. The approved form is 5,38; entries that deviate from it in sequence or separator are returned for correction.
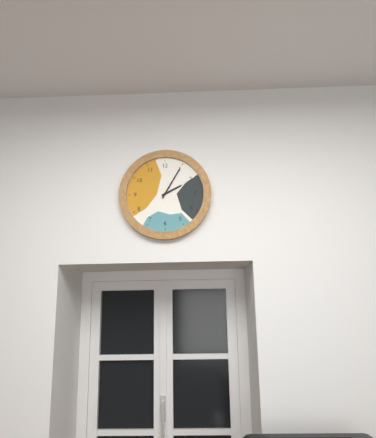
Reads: 2,05
